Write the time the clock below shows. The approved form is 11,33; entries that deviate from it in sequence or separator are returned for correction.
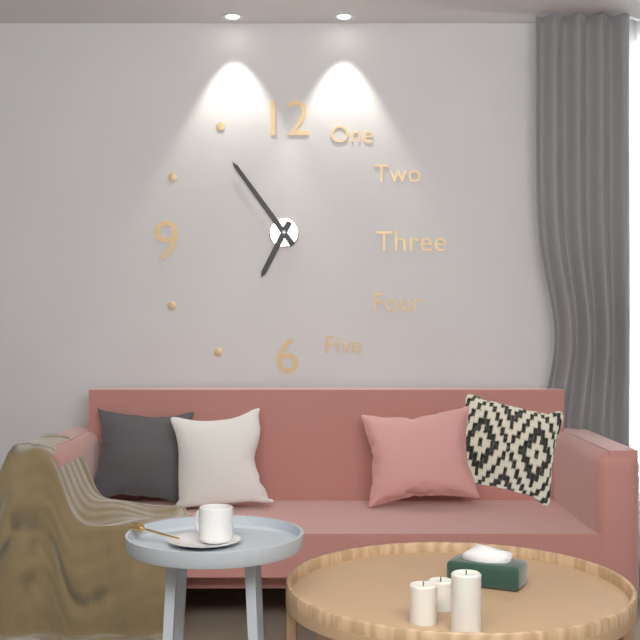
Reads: 6,54
